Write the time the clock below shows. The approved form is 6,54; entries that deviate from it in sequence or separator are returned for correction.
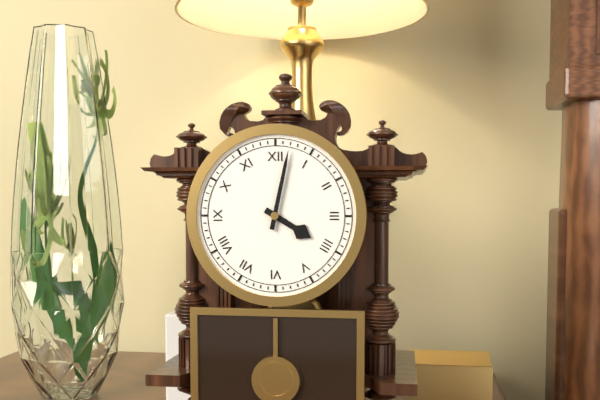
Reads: 4,02
